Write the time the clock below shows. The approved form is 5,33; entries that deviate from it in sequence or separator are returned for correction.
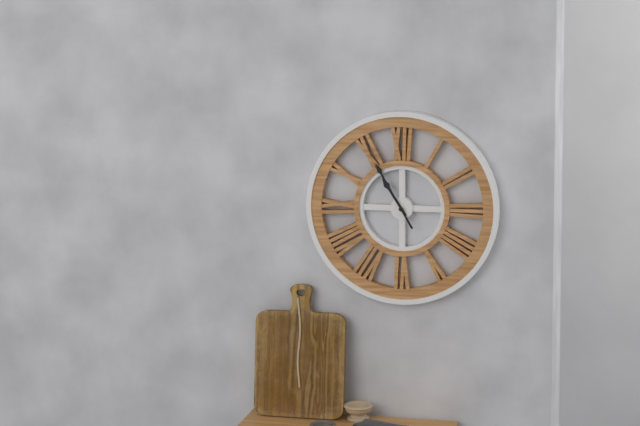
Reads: 10,55
